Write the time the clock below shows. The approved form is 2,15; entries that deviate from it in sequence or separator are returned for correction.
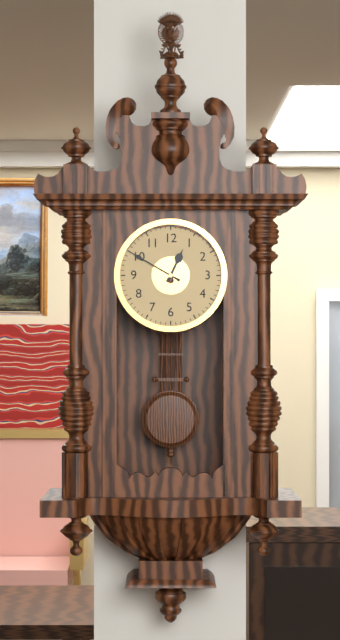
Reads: 12,50
